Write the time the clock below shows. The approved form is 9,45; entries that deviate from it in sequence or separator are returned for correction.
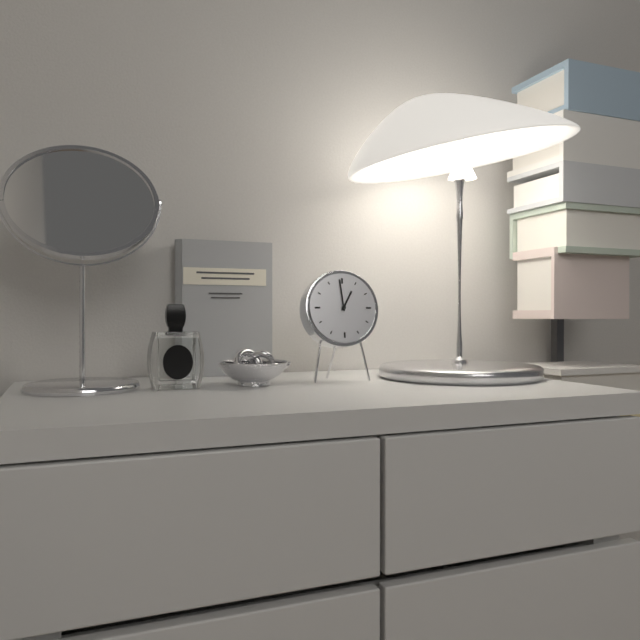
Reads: 12,59
